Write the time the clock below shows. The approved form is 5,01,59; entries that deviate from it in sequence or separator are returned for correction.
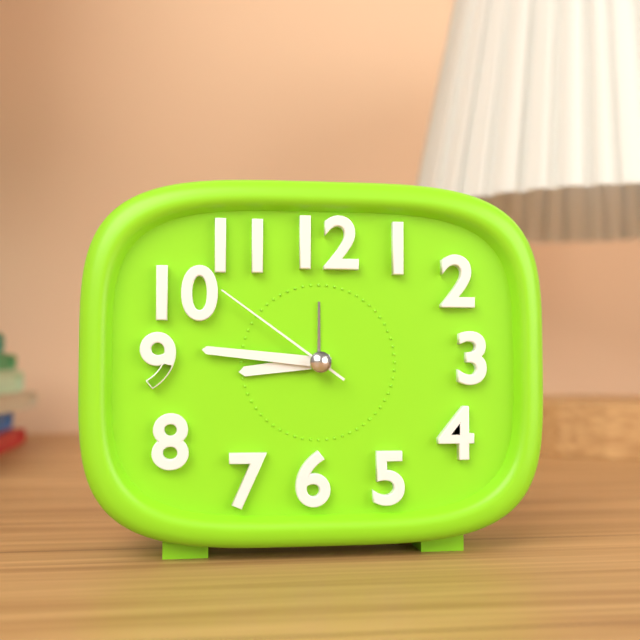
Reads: 8,46,51
